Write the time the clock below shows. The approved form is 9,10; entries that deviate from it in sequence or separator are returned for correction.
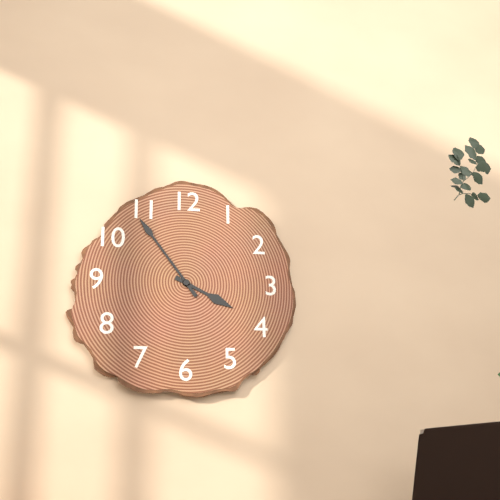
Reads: 3,54
